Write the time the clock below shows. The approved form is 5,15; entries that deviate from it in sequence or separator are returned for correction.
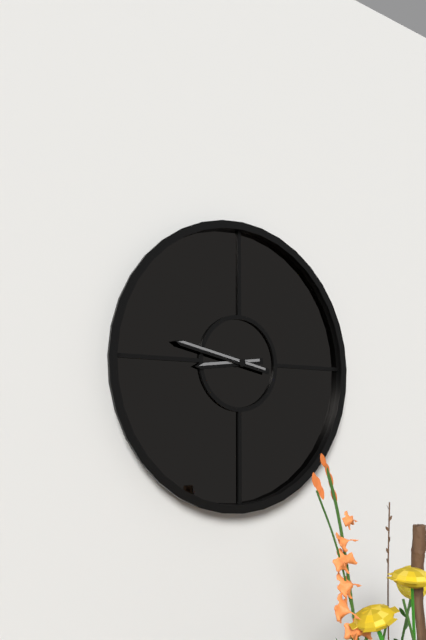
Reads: 8,47
